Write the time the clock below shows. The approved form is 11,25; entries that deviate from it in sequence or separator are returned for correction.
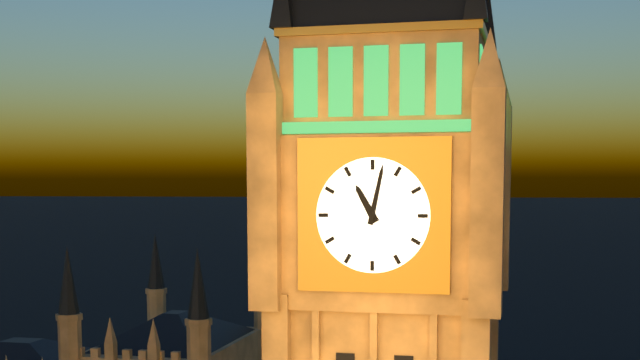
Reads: 11,02
